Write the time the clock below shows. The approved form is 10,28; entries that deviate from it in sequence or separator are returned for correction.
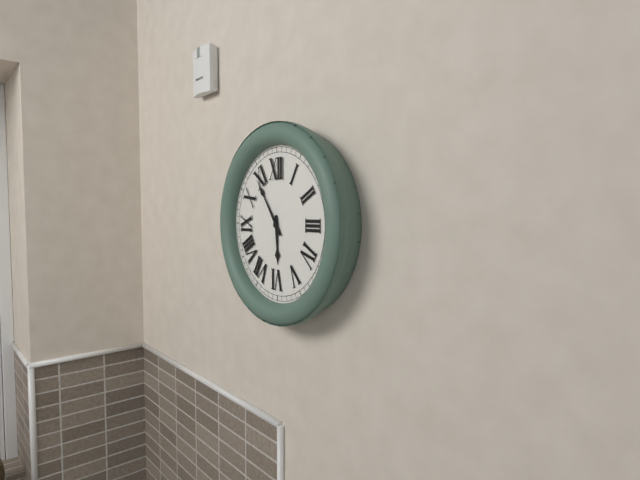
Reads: 5,54
